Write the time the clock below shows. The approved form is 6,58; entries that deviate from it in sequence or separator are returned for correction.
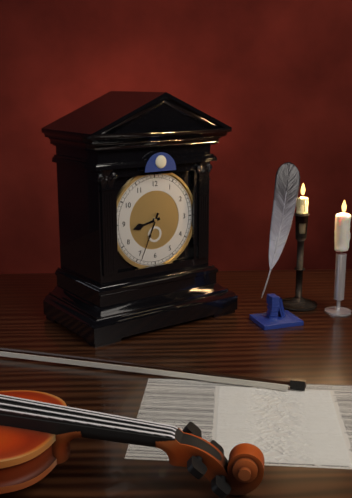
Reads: 8,34
